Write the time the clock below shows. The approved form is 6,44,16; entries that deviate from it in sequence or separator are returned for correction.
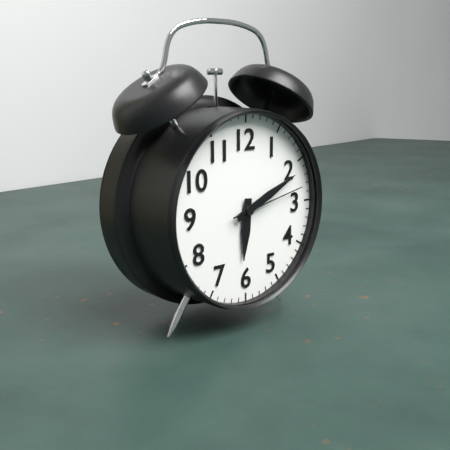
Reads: 6,11,13
